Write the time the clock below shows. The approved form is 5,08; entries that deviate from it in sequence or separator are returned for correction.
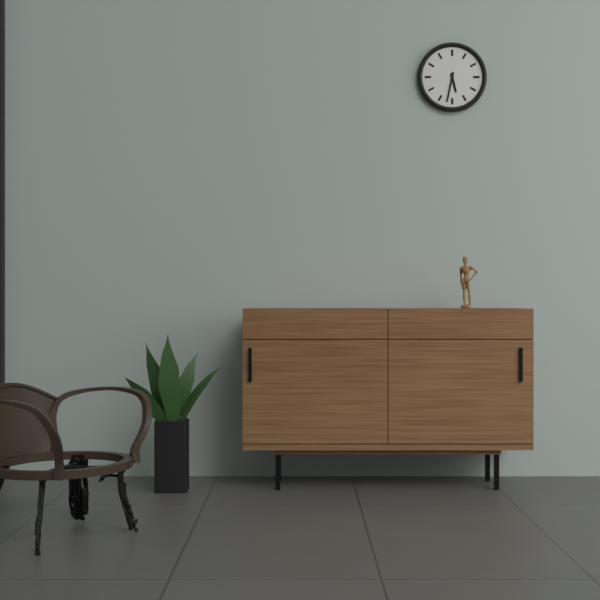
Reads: 5,32
